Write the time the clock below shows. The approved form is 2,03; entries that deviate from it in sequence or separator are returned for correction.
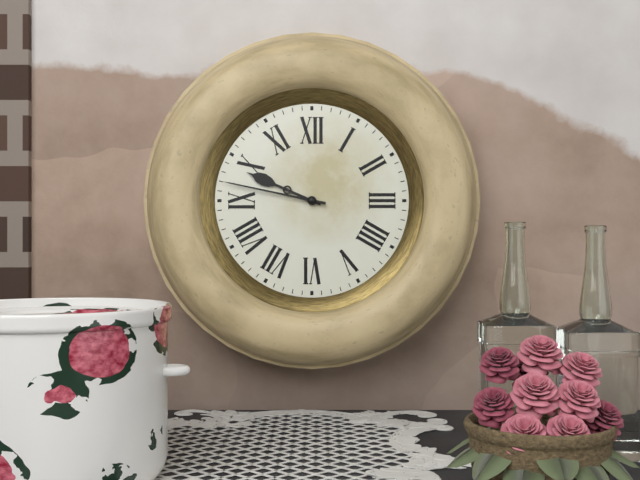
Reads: 9,47
